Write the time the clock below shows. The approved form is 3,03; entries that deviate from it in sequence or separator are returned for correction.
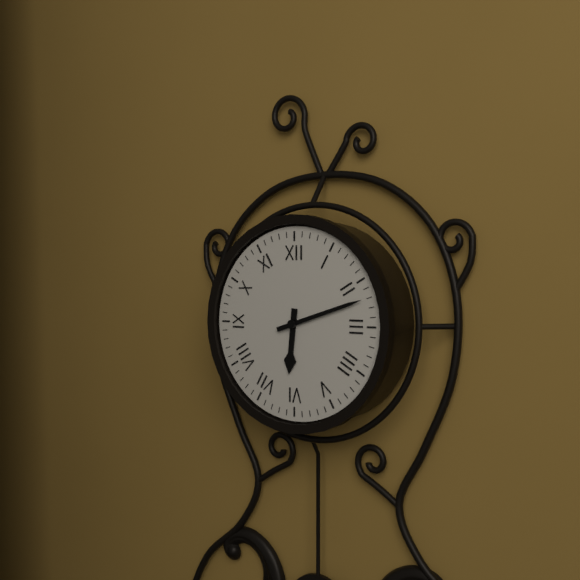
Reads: 6,12
